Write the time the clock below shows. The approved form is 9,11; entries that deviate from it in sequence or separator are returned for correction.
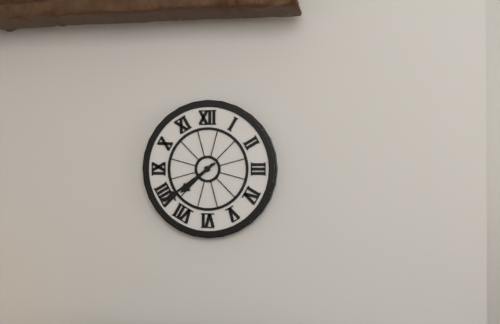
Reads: 7,39
